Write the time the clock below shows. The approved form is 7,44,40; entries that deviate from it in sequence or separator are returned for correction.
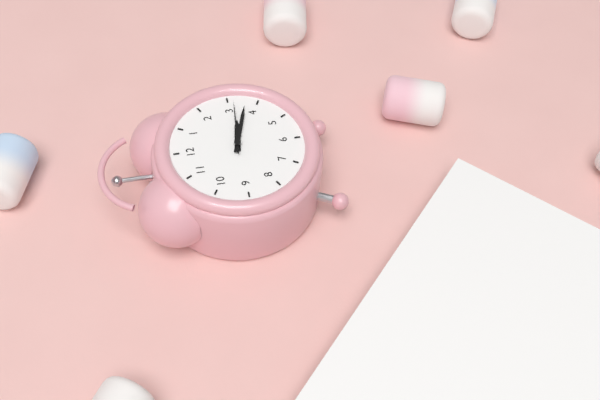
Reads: 3,18,16
